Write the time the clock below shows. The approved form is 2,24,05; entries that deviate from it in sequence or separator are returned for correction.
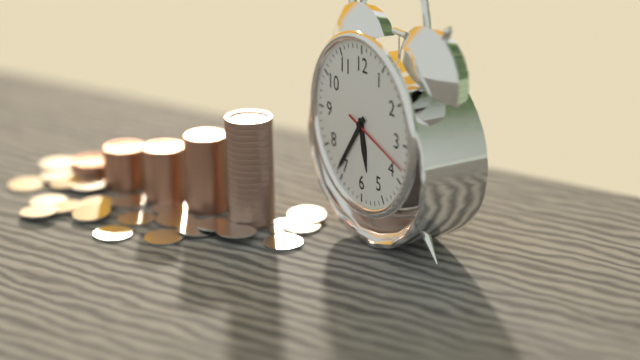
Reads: 5,36,18
